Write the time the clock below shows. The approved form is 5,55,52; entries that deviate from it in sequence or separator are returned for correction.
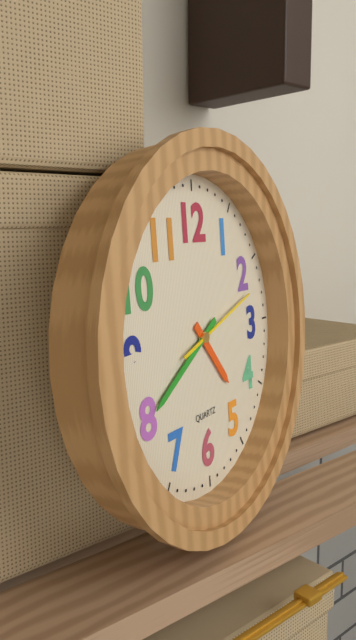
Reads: 4,40,12
